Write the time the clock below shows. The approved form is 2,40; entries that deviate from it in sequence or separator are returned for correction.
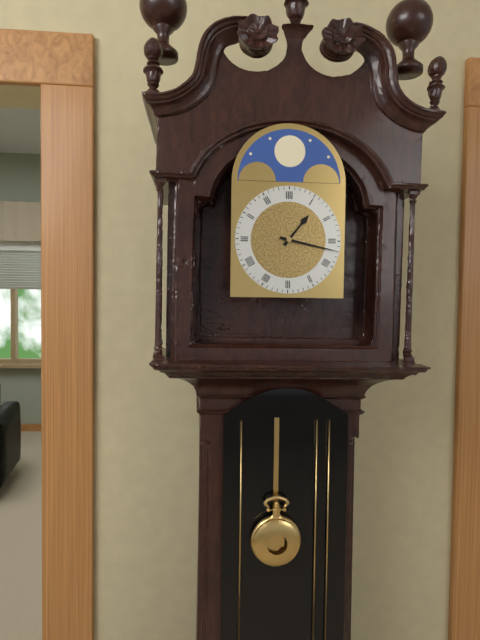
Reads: 1,17
